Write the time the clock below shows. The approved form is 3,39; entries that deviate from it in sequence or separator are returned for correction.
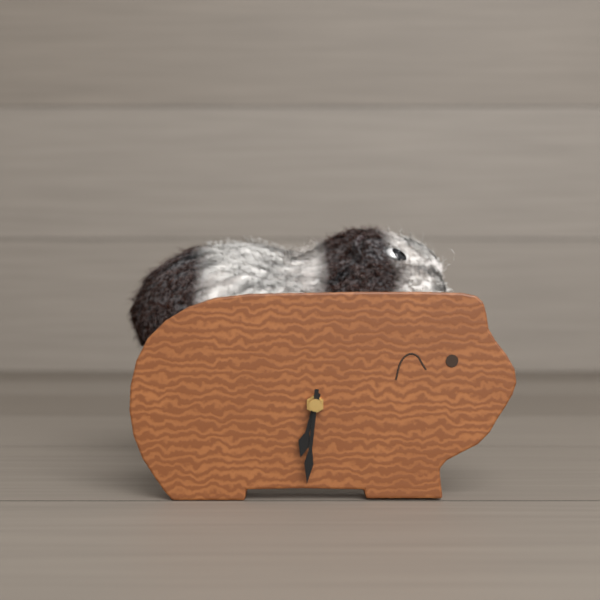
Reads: 6,31
